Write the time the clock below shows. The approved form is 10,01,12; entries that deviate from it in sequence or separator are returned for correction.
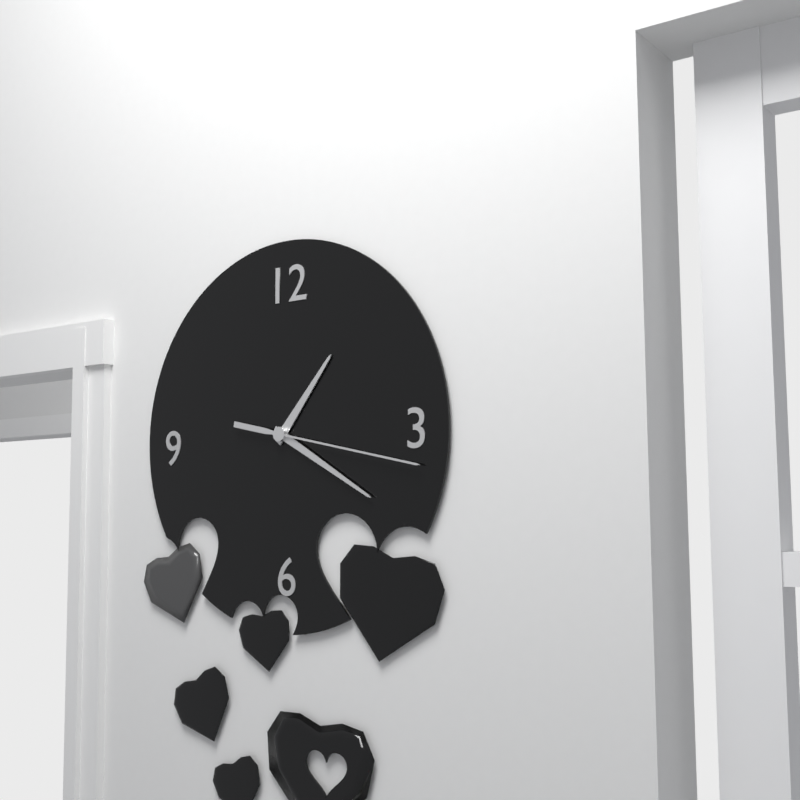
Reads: 1,20,17
